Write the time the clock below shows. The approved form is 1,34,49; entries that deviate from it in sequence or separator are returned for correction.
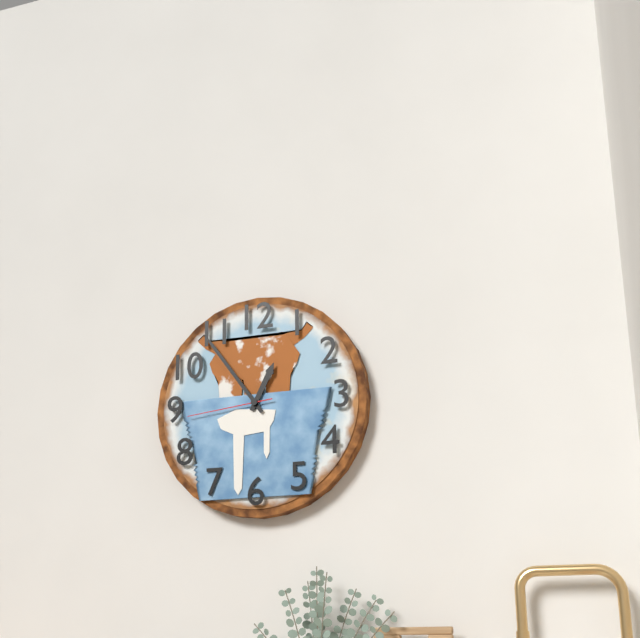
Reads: 12,54,44
